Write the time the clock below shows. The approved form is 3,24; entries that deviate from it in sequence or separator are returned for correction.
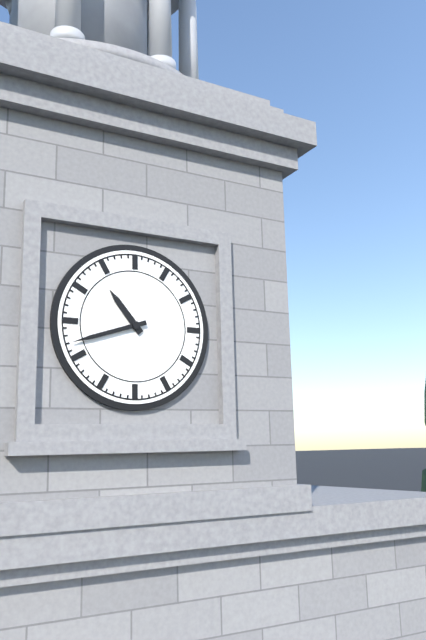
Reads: 10,42
